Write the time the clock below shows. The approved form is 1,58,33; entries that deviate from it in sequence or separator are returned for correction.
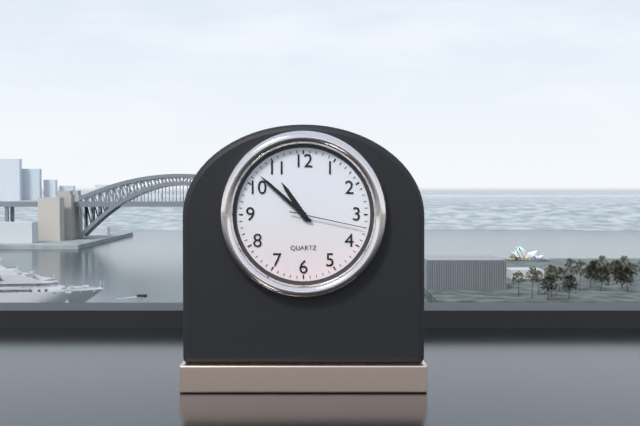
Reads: 10,52,17
